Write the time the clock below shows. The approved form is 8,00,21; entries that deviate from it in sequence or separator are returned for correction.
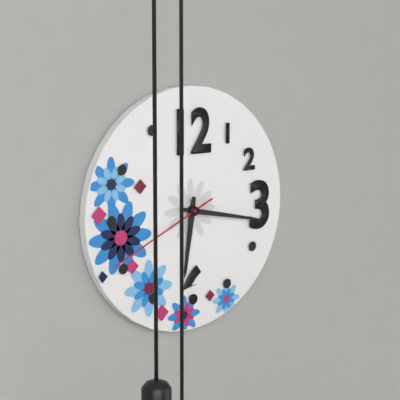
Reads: 6,17,41
